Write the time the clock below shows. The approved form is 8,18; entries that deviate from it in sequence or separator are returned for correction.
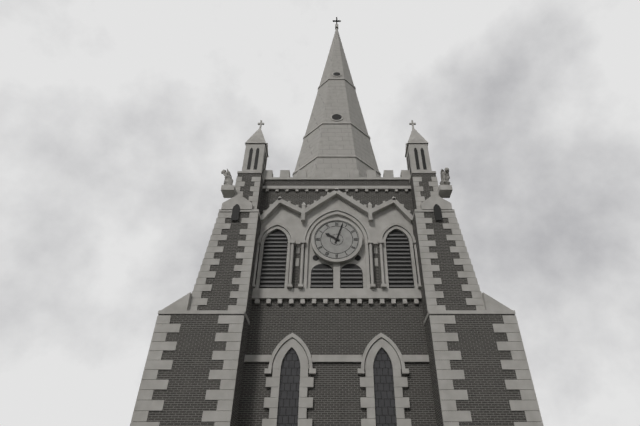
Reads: 10,03
